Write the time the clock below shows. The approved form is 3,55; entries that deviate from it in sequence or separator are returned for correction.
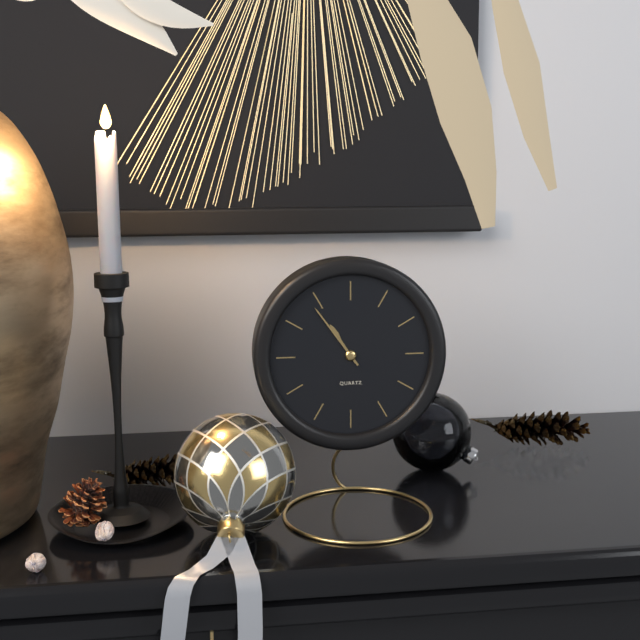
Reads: 10,54
